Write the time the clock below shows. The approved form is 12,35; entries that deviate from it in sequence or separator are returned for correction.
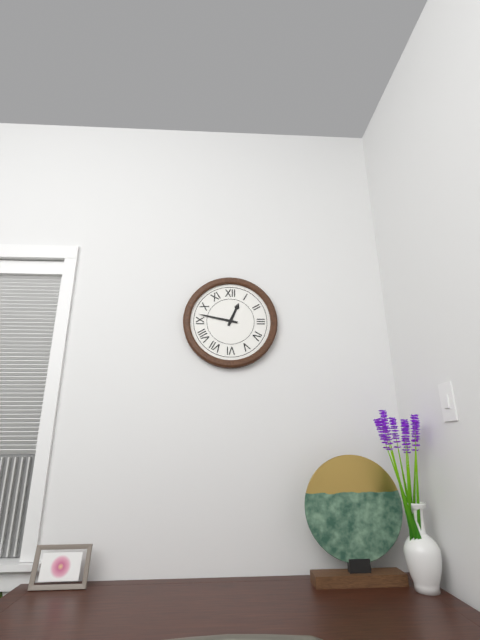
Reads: 12,47
